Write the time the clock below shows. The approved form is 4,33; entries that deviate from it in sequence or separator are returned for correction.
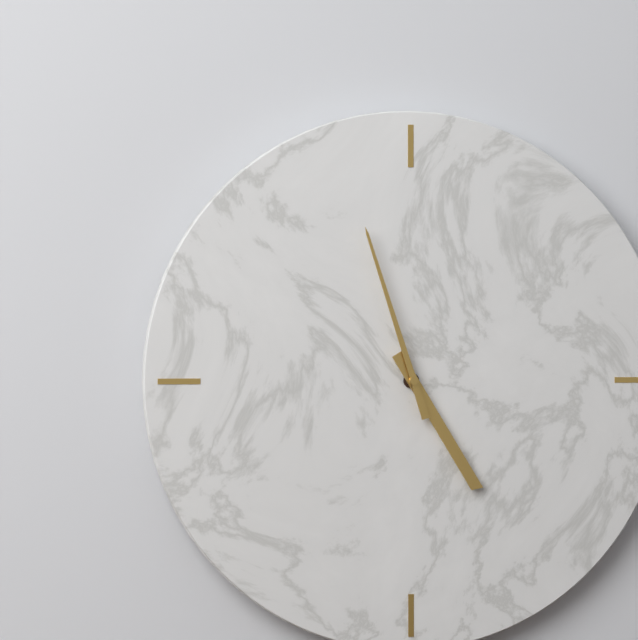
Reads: 4,57
